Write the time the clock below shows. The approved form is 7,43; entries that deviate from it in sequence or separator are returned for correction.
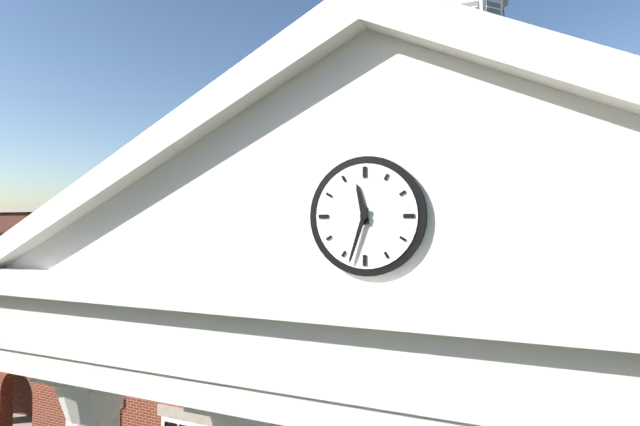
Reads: 11,33
